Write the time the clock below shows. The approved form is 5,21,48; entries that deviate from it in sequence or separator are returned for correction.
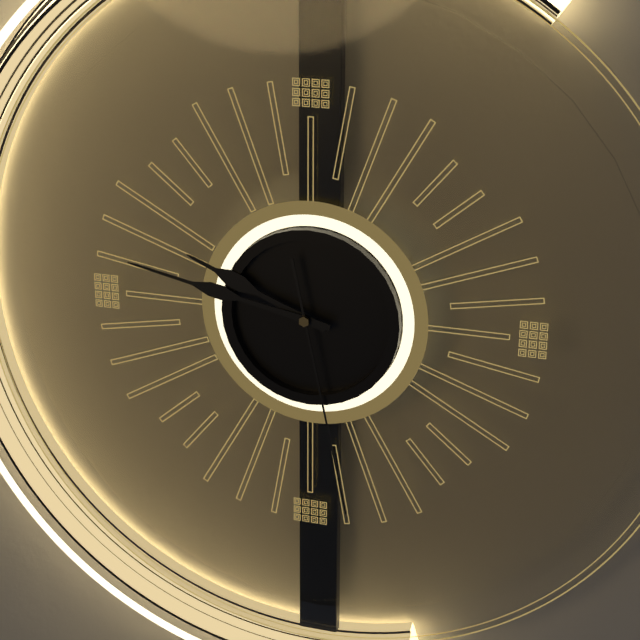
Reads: 9,47,28
